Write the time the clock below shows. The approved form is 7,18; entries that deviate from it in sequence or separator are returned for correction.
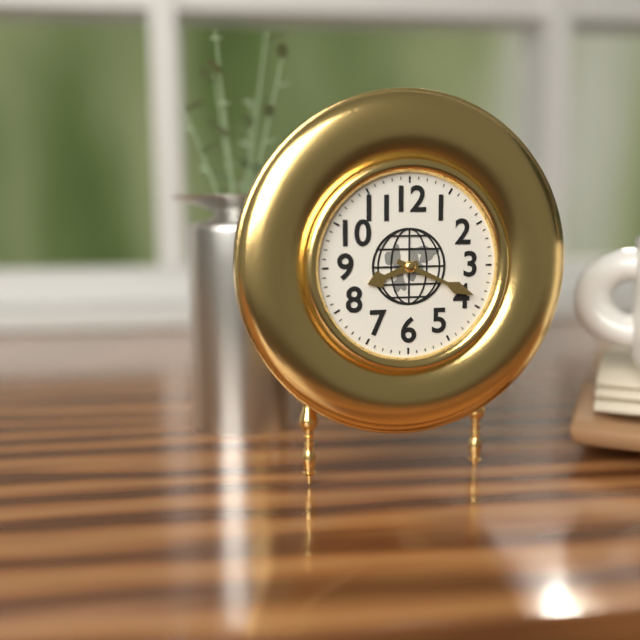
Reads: 8,19
